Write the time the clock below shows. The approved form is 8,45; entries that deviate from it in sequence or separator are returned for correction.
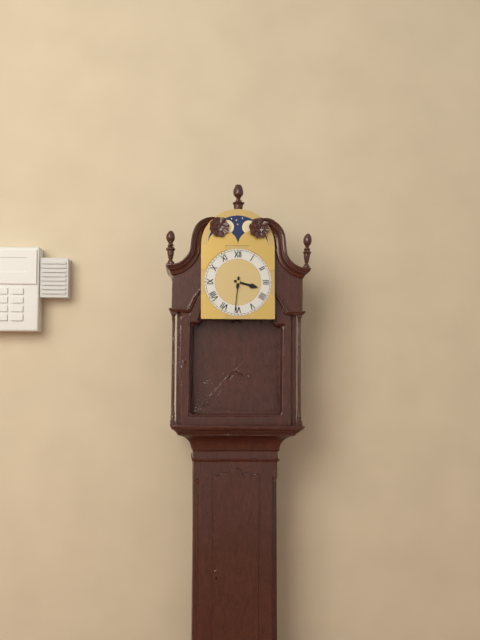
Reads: 3,31
